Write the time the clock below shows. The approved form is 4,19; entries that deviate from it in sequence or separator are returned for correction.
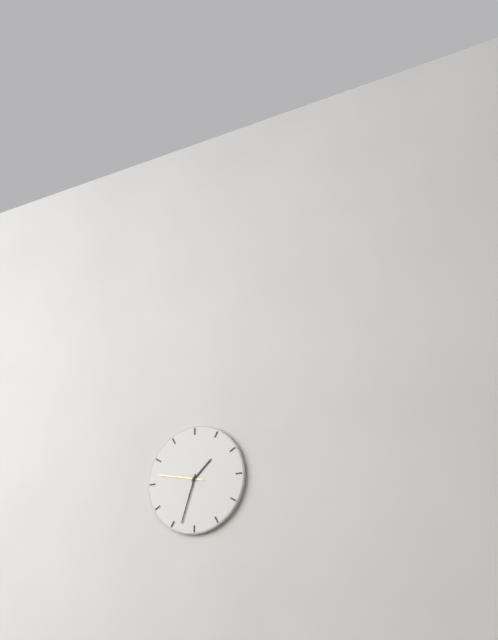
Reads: 1,33
